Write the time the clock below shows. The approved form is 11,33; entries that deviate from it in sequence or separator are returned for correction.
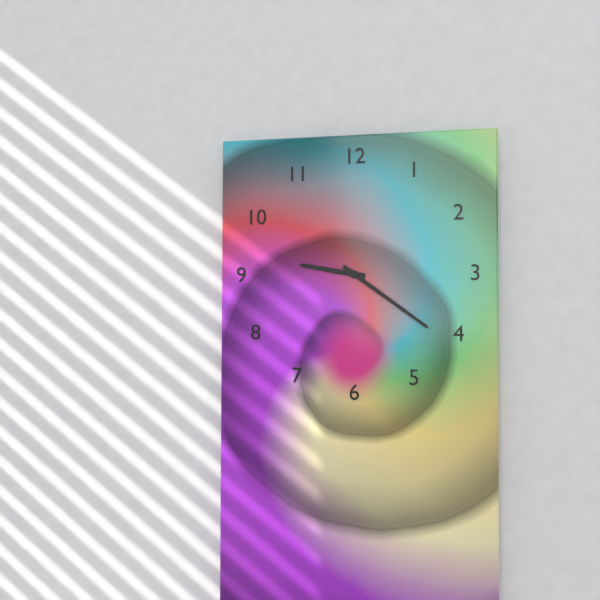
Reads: 9,21
